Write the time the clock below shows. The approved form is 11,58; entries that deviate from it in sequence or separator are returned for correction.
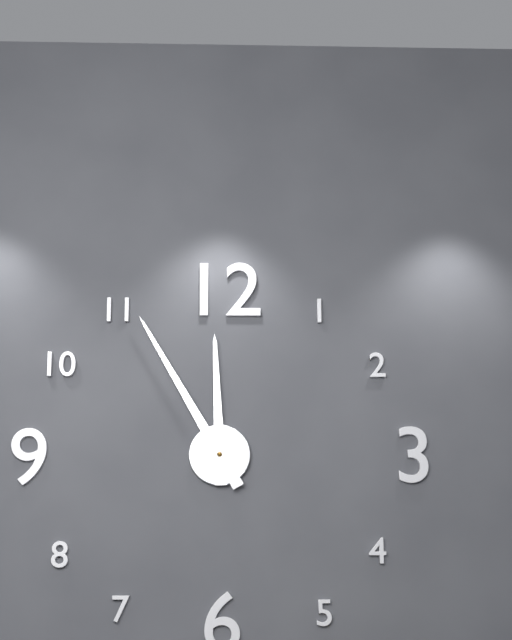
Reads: 11,55
